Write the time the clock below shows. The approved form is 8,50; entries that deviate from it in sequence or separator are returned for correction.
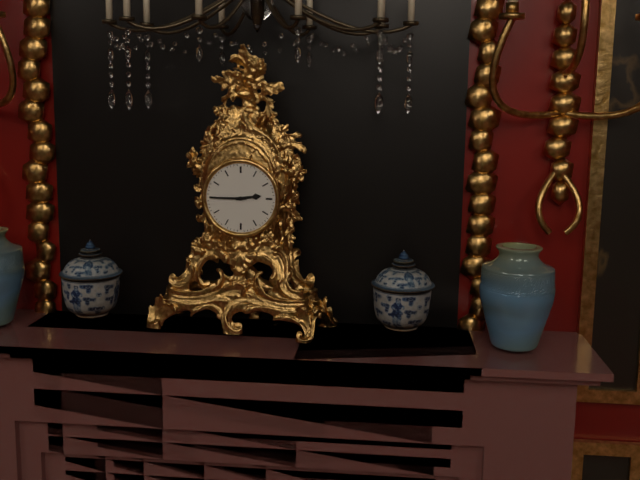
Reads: 2,45
